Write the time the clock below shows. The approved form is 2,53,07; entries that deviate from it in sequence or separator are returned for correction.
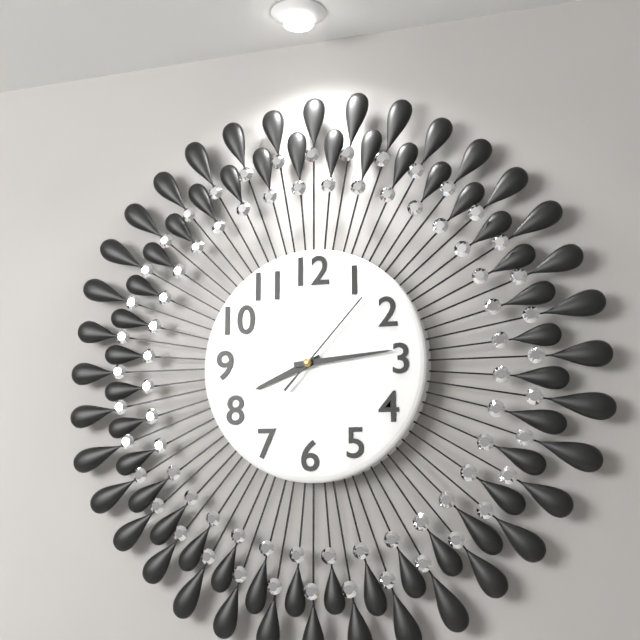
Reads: 8,14,07
